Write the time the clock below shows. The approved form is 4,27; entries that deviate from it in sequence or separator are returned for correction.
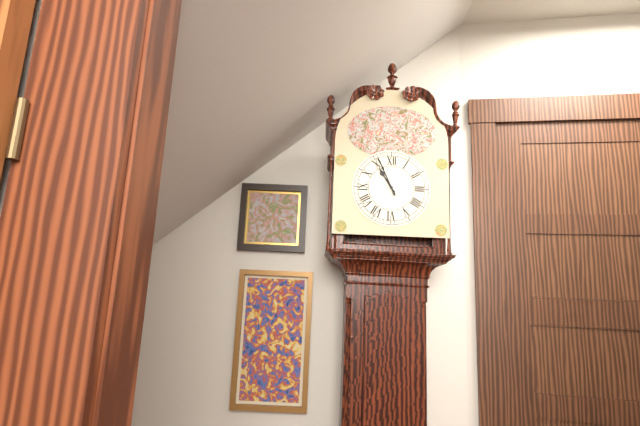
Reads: 10,56
